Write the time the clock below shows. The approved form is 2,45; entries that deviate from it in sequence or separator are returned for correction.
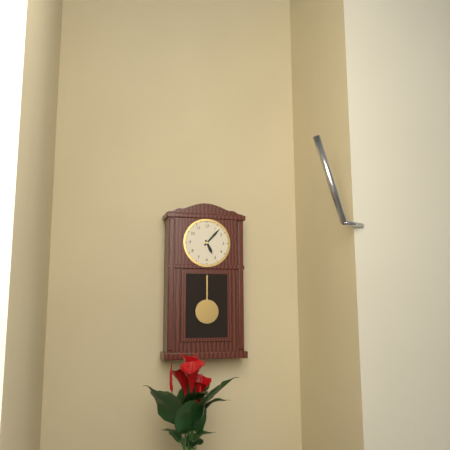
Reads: 5,07
